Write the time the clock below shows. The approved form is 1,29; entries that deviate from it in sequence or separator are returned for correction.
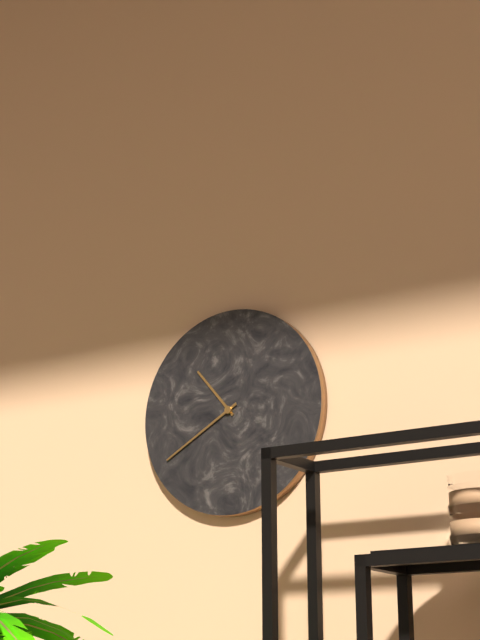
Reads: 10,40
